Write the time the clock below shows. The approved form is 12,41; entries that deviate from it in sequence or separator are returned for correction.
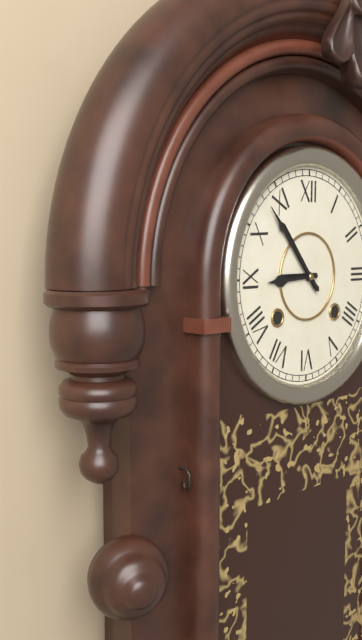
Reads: 8,53
